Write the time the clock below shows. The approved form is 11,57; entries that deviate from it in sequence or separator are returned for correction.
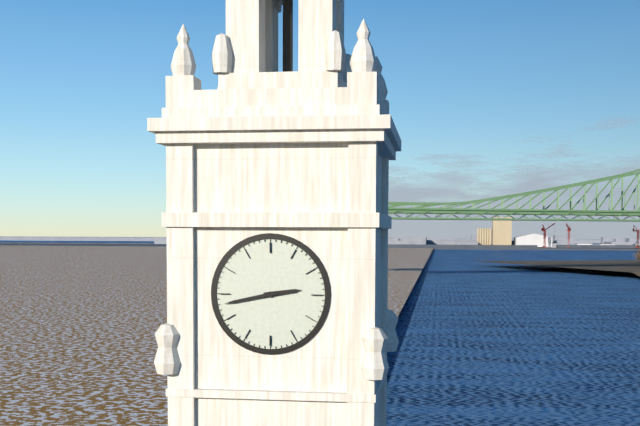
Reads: 2,43
